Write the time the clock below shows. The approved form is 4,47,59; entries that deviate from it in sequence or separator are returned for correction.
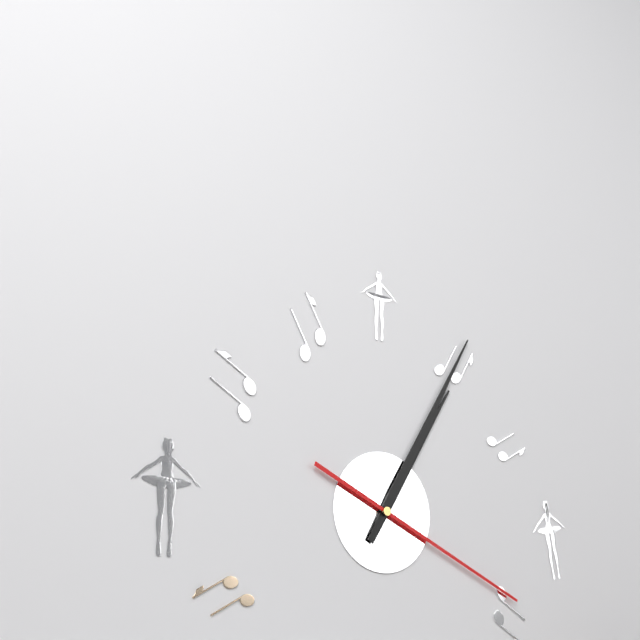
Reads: 1,05,19
